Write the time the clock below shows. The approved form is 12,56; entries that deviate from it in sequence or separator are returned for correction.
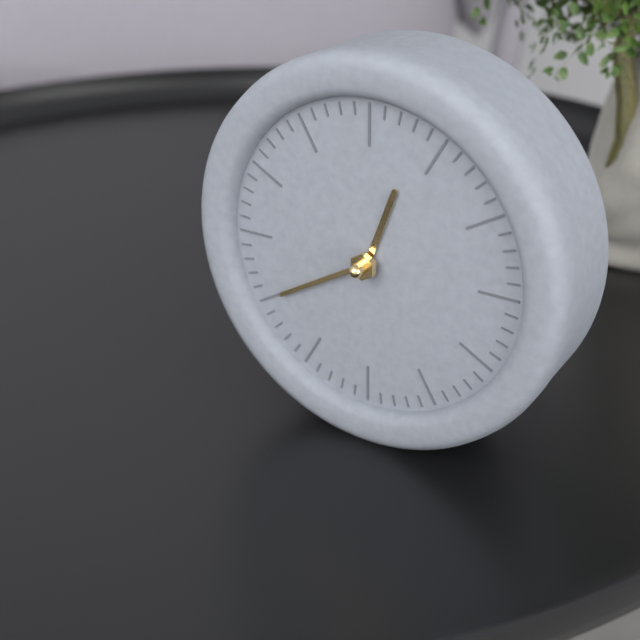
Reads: 12,40
